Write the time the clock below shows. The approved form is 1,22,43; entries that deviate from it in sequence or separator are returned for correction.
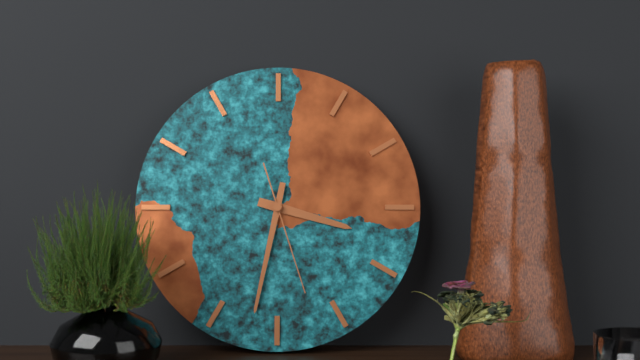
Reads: 3,32,27
